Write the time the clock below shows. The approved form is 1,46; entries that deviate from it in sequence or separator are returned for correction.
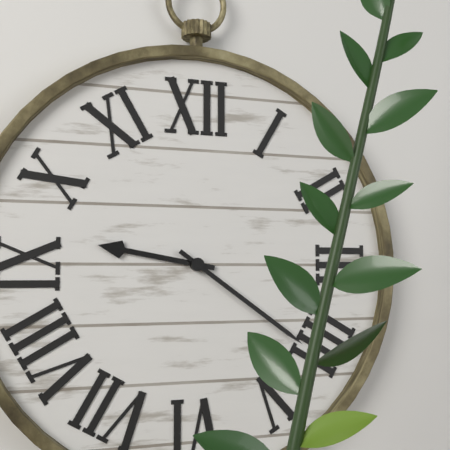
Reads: 9,21
